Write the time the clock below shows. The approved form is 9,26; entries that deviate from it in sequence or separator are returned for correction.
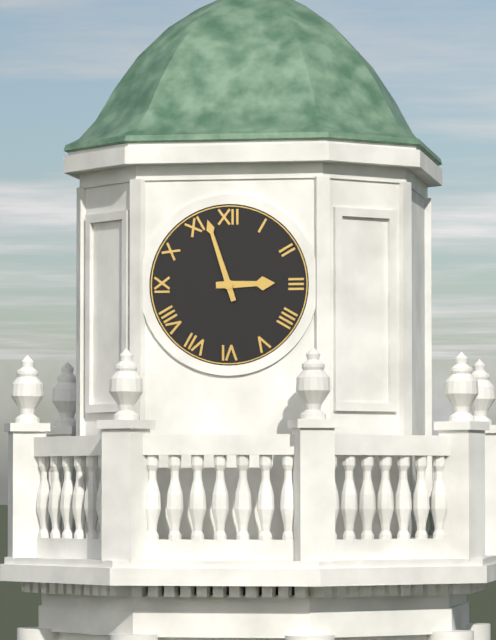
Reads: 2,57
